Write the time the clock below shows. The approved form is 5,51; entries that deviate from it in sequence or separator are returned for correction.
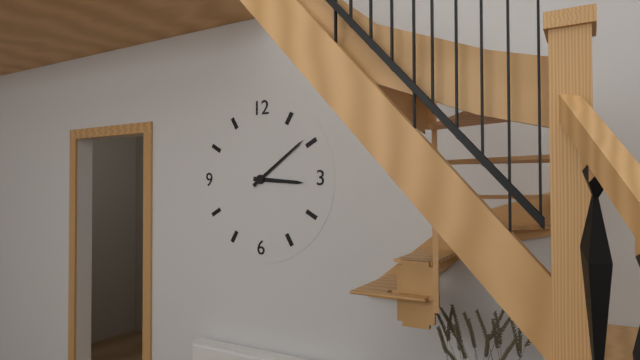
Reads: 3,09
